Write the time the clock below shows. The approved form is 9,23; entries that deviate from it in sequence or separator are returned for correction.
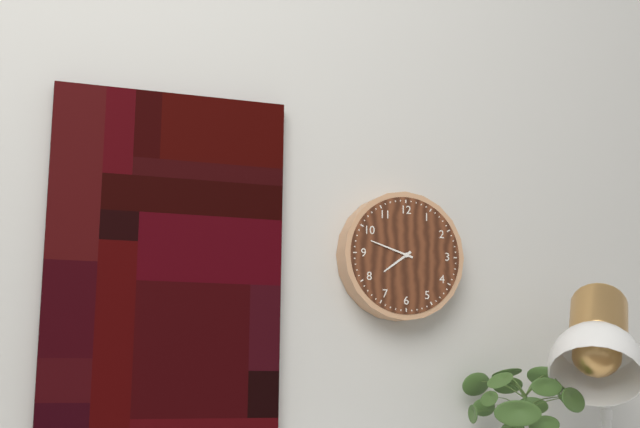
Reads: 7,48
